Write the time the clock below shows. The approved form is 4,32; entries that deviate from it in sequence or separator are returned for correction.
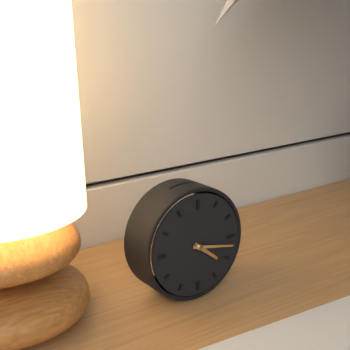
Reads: 4,17
